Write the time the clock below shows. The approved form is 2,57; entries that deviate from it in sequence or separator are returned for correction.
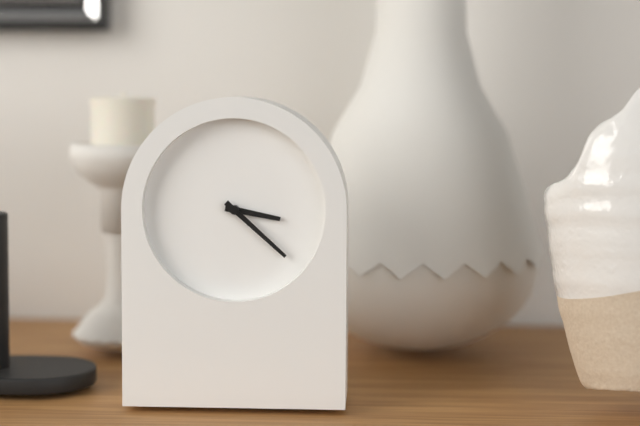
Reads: 3,22
